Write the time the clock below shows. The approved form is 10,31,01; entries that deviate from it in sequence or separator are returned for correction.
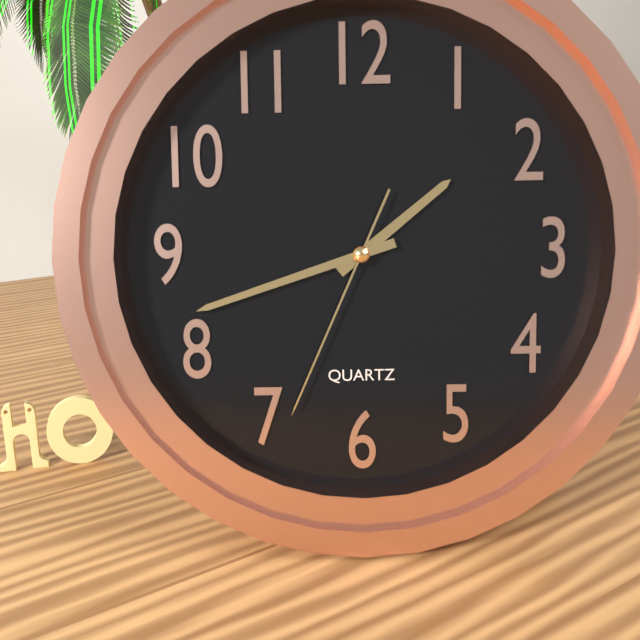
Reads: 1,42,34
